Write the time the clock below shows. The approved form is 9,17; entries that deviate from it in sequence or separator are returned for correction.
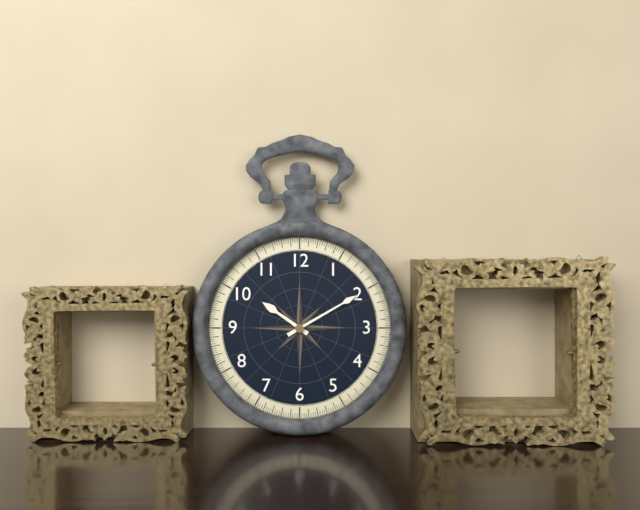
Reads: 10,10
